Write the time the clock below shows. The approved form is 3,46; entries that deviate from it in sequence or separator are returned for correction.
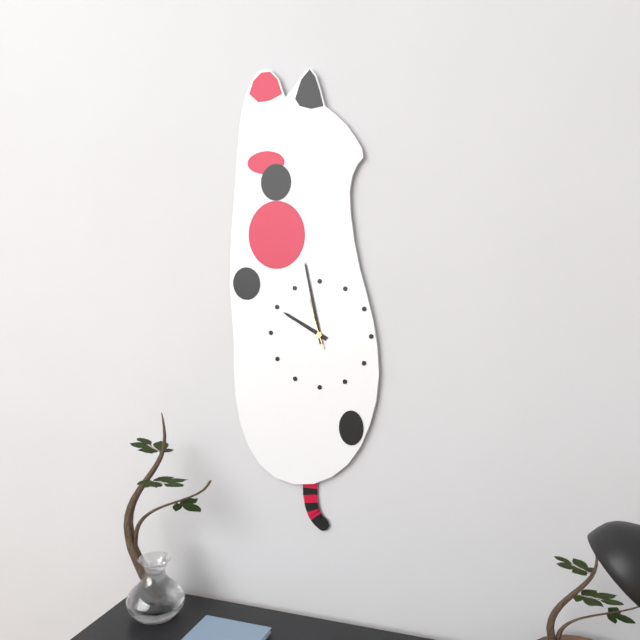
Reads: 9,58
